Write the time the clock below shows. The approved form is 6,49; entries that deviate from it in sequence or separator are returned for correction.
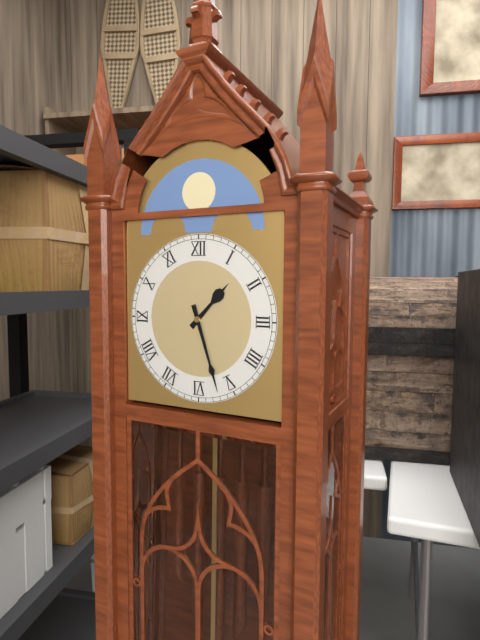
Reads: 1,27
